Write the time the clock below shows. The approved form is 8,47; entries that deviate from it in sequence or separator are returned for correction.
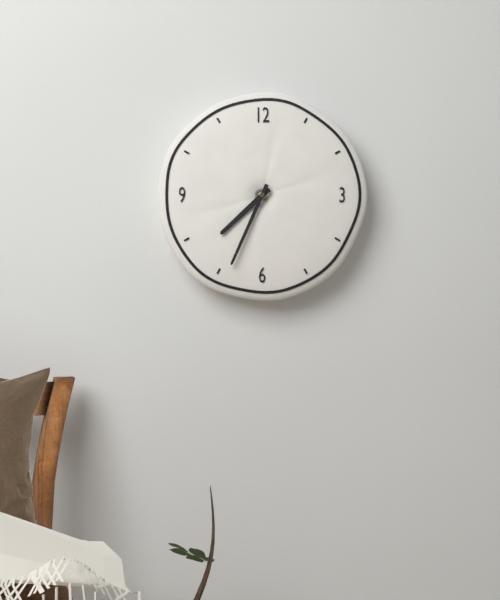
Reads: 7,34
